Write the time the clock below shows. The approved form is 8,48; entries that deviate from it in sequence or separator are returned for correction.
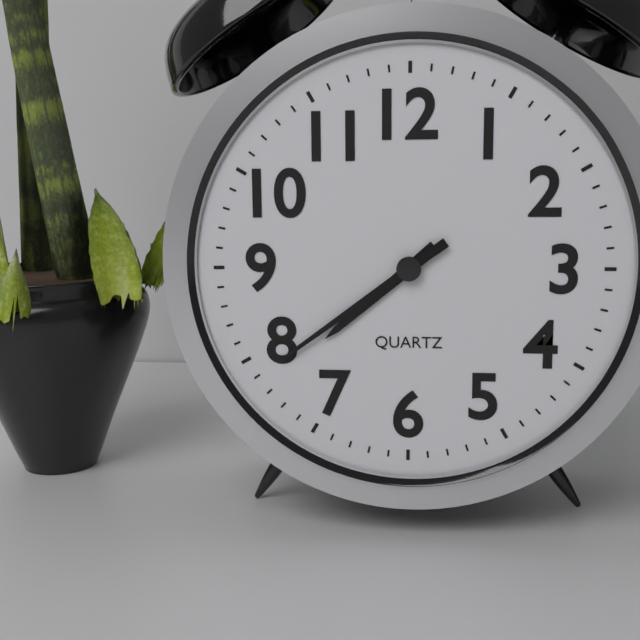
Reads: 7,39
